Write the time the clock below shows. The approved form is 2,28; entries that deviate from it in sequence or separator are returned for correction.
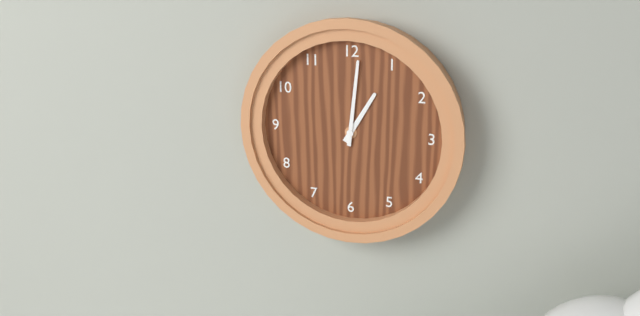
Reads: 1,01
